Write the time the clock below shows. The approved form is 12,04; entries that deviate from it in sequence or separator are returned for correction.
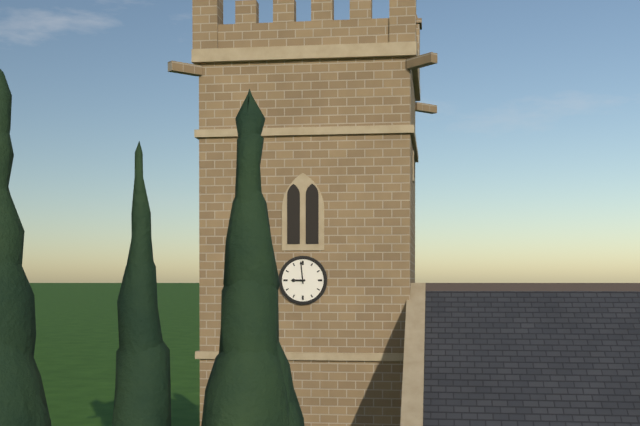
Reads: 8,59
